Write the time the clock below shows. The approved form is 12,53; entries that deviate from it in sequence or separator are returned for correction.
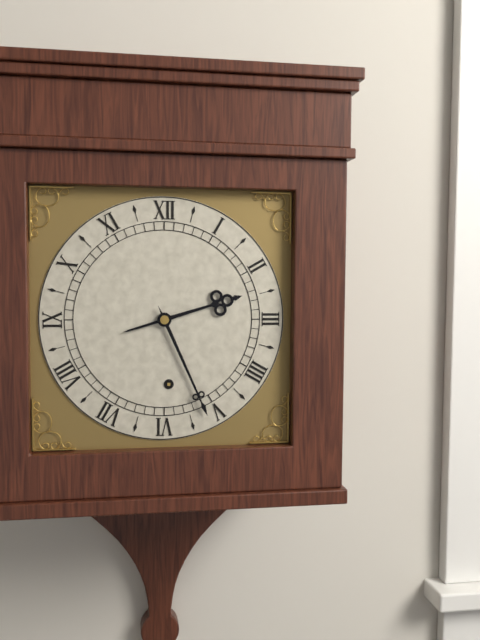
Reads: 2,26
